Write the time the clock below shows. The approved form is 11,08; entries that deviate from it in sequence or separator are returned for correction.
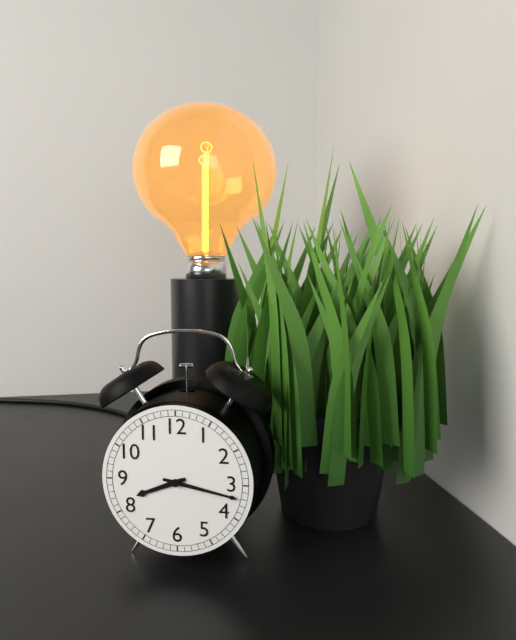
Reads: 8,17
